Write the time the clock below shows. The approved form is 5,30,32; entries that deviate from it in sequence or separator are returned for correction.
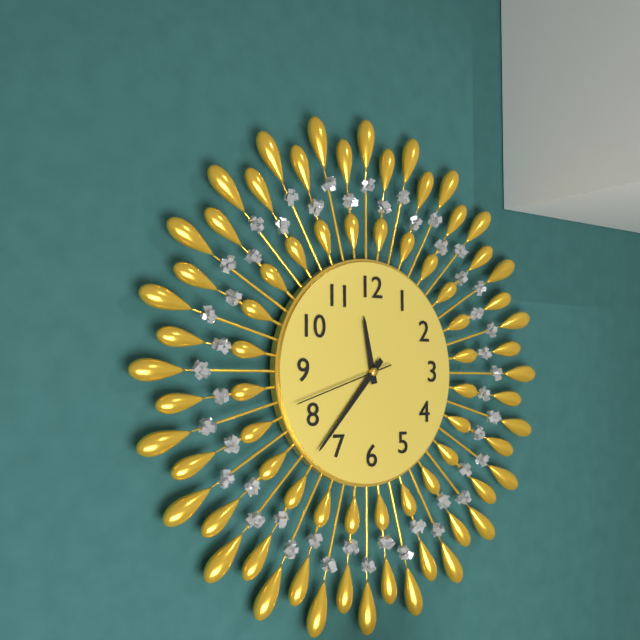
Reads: 11,37,42
